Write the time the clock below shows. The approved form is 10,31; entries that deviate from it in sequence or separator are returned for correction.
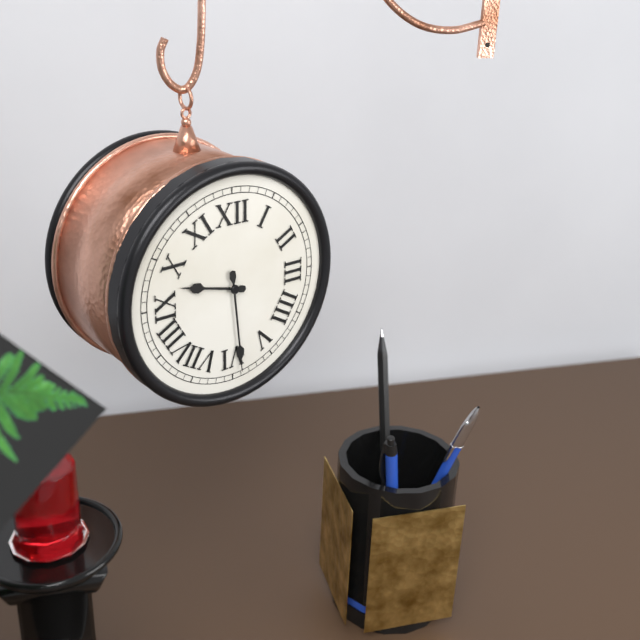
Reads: 9,29
